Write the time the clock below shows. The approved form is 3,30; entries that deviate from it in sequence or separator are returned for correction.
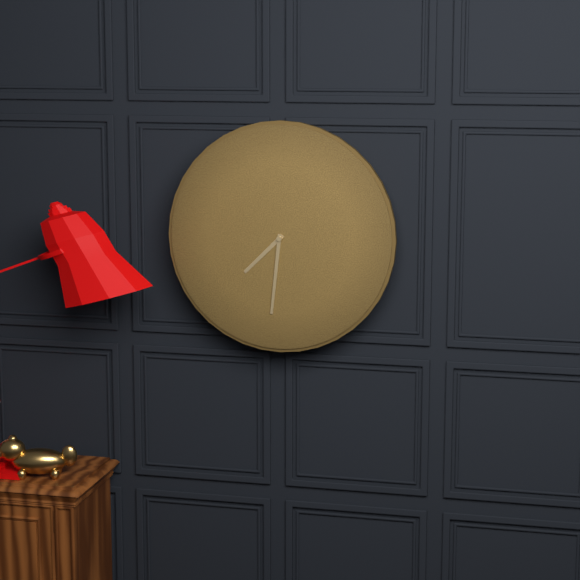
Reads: 7,31
